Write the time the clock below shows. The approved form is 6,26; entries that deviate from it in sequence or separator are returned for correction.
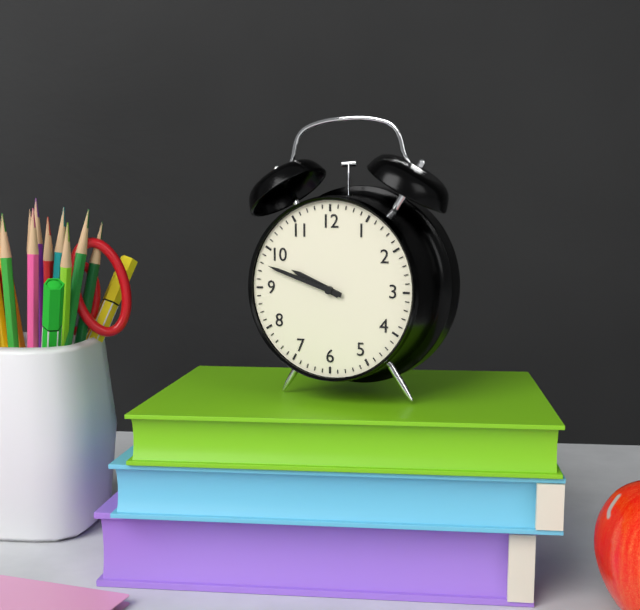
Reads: 9,48
